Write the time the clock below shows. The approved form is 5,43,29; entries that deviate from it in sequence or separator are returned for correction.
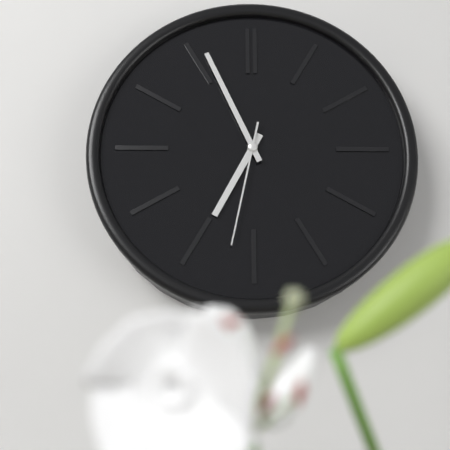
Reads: 6,56,32
